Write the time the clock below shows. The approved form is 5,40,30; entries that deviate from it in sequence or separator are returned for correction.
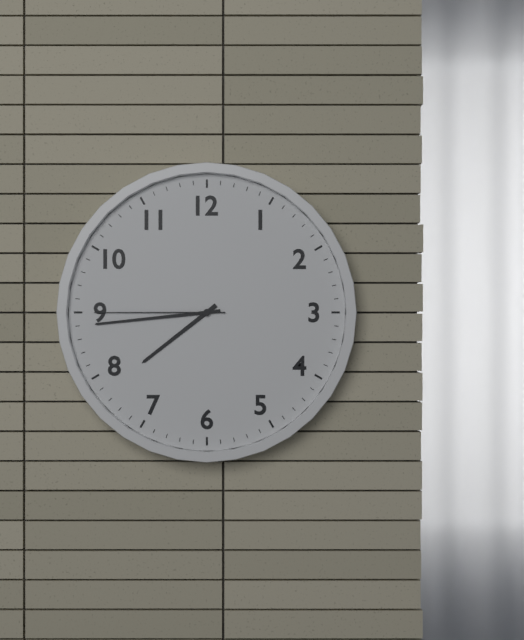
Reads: 7,44,45
